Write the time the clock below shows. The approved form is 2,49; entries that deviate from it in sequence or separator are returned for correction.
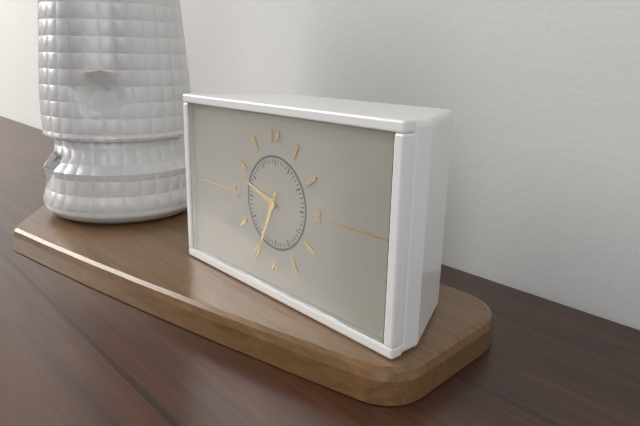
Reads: 9,34
